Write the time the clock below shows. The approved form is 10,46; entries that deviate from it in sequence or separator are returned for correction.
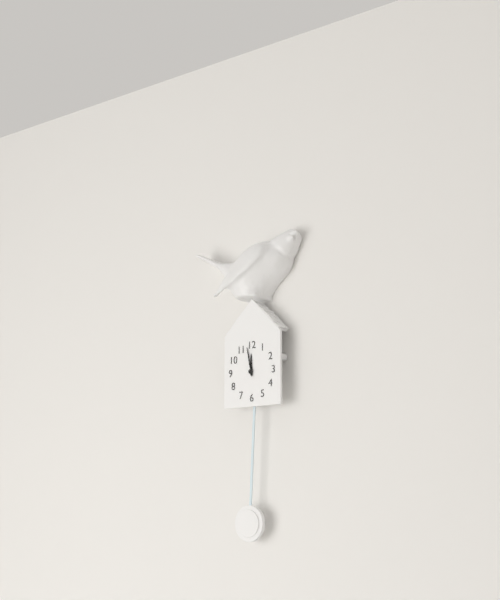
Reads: 11,58
